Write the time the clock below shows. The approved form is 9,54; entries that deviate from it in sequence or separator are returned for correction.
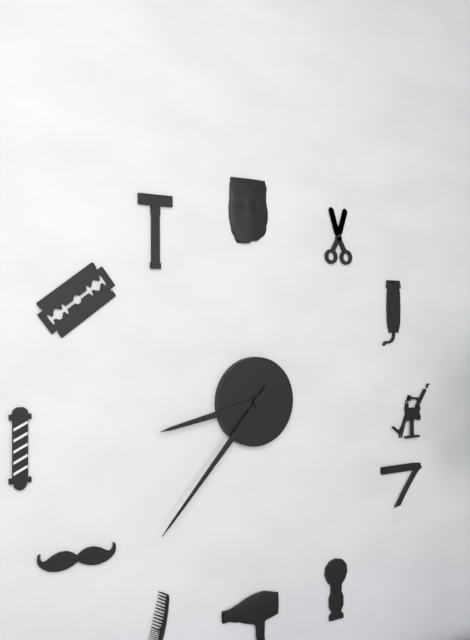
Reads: 8,37
